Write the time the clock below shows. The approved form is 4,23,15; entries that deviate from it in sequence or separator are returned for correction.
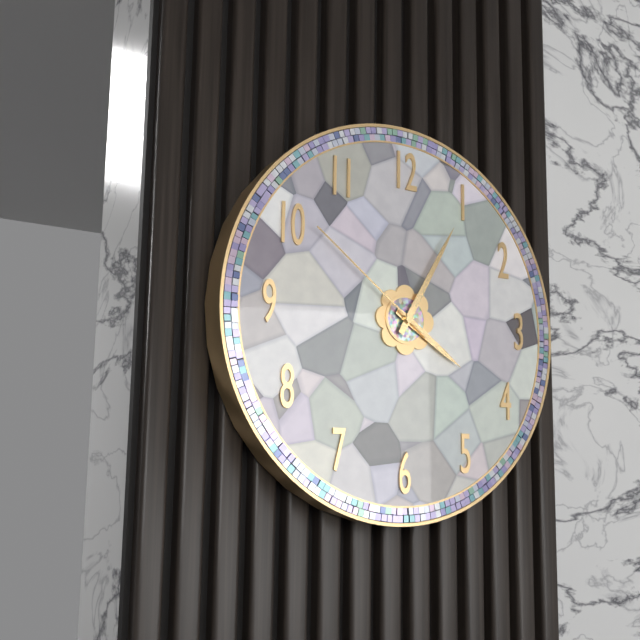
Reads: 4,05,51
